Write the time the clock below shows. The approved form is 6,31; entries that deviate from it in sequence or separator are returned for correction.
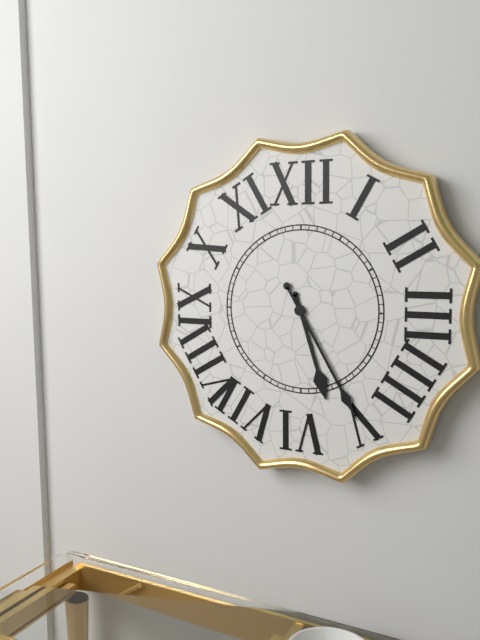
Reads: 5,25
